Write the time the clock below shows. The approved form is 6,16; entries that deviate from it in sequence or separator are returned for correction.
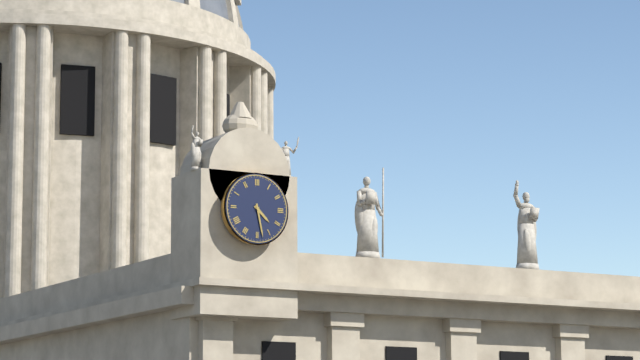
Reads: 4,28
